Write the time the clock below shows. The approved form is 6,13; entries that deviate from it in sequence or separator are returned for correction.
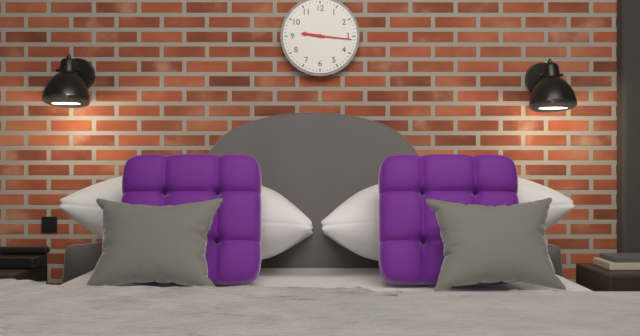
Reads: 9,16
